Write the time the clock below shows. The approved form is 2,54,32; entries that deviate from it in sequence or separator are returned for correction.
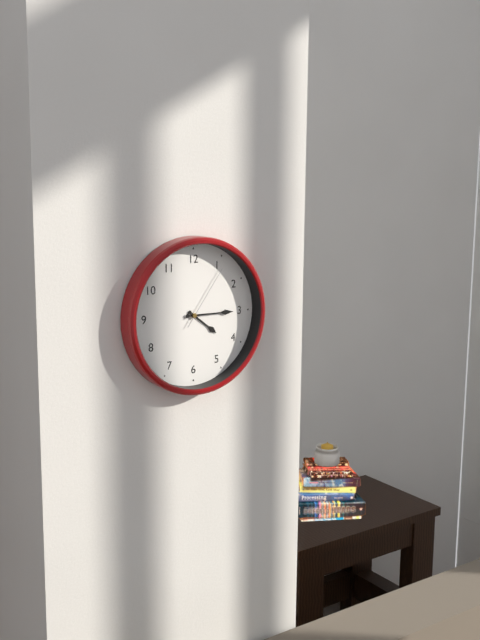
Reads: 4,15,06
